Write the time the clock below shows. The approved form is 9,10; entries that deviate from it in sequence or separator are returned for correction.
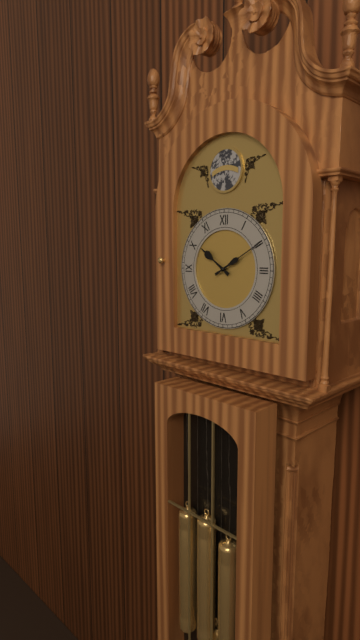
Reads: 10,10
